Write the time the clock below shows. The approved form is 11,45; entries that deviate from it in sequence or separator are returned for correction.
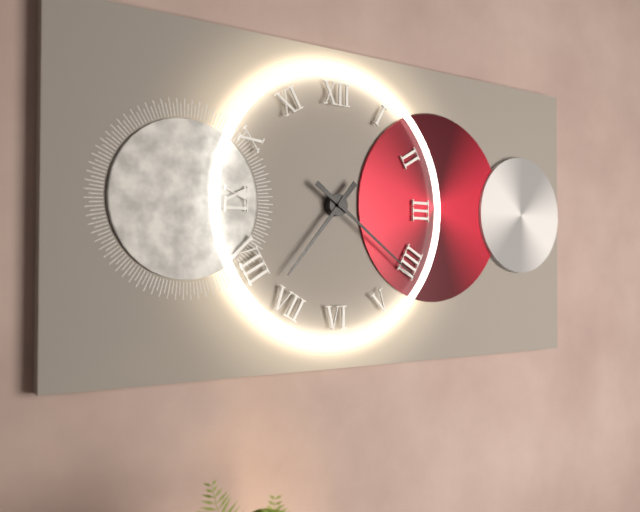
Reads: 7,21
